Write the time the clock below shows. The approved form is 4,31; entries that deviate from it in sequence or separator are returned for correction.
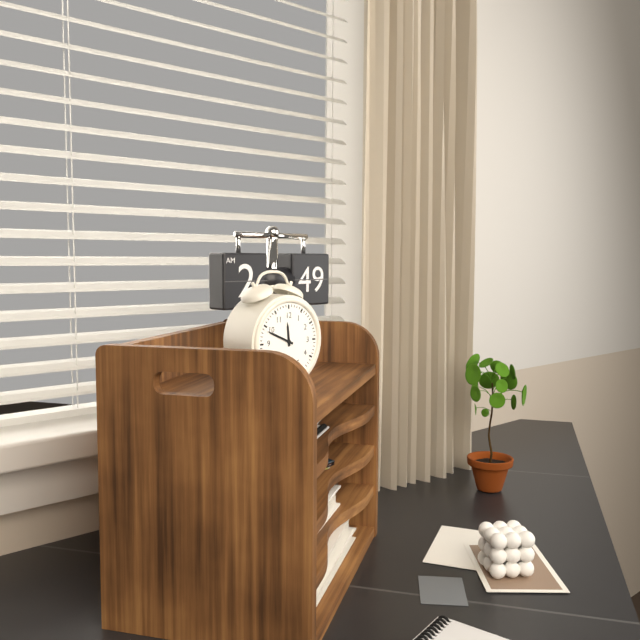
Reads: 11,49
